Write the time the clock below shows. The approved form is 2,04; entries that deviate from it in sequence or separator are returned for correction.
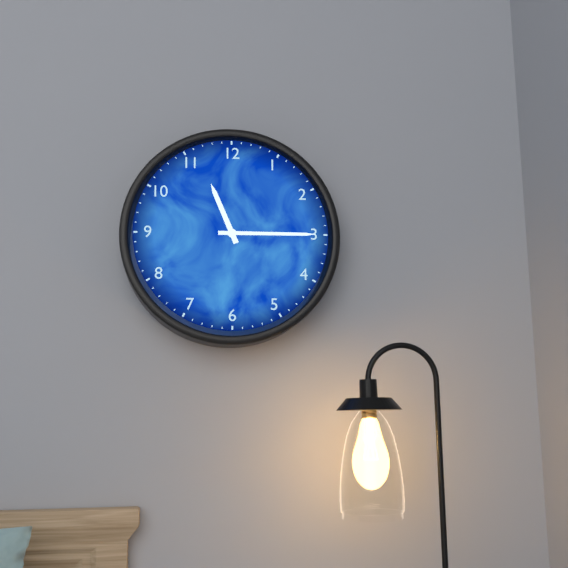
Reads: 11,15
